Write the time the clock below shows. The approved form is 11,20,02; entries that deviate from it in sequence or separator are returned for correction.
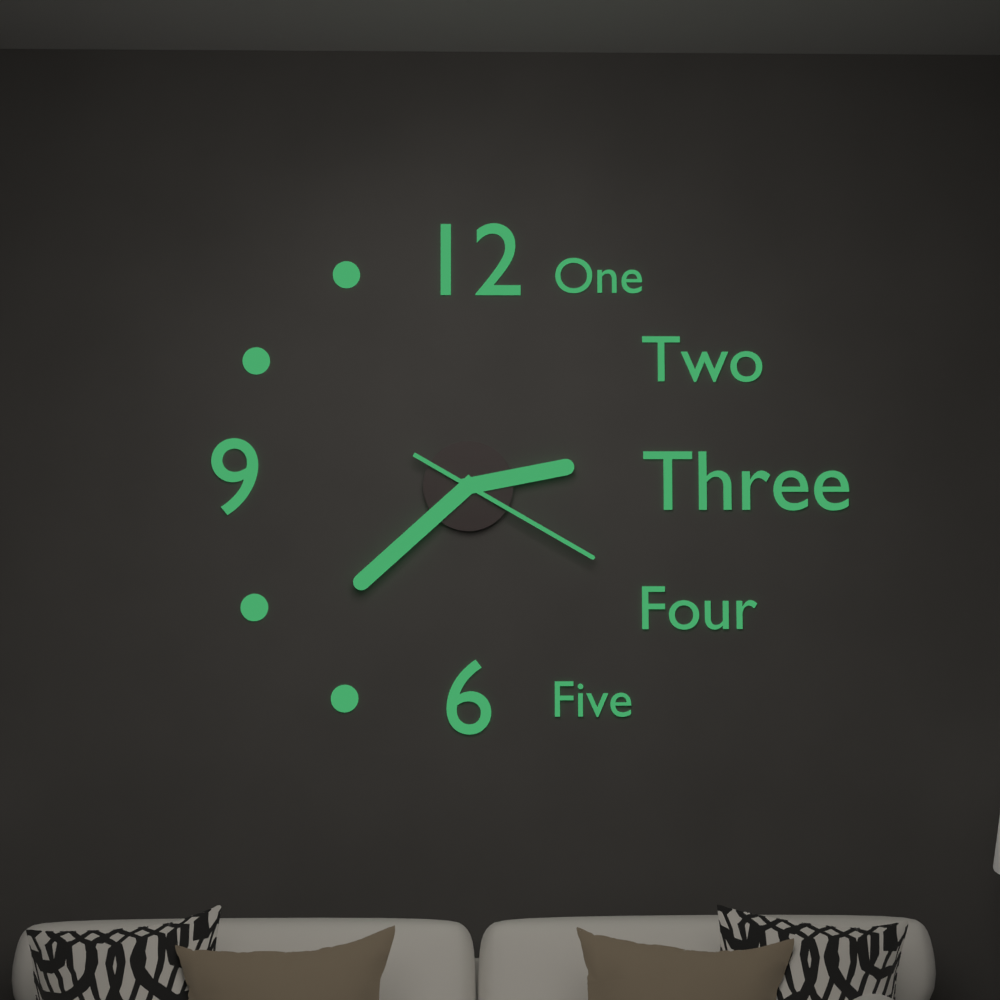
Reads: 2,38,20
